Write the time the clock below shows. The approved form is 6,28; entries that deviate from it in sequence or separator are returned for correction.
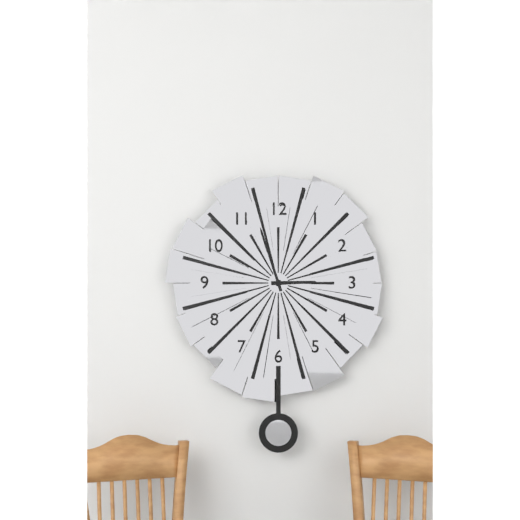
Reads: 2,57
